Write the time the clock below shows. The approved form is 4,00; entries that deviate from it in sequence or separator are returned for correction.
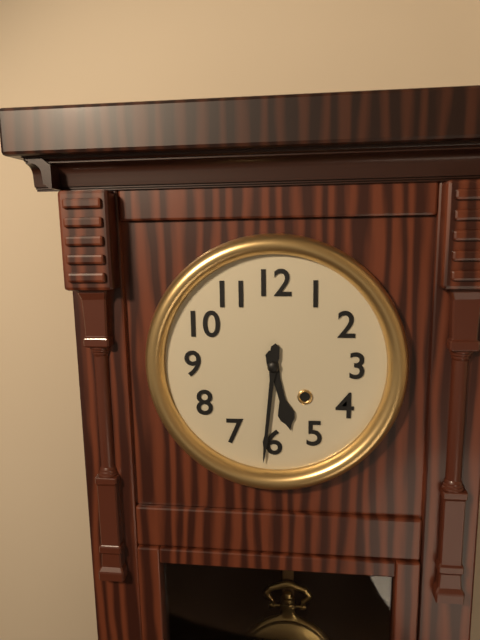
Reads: 5,31
